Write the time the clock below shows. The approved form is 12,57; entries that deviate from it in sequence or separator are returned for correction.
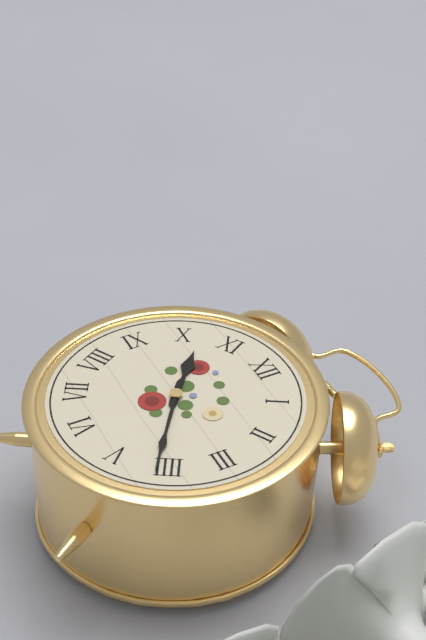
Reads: 10,21
